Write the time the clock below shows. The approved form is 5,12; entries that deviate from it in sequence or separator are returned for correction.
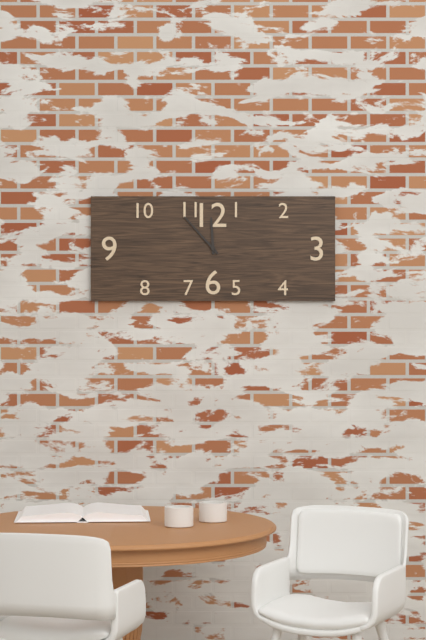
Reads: 11,53
